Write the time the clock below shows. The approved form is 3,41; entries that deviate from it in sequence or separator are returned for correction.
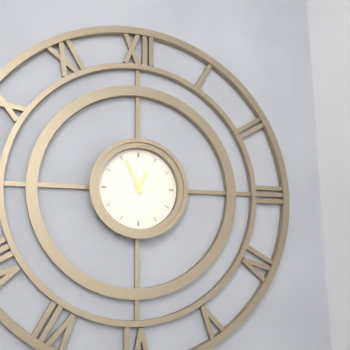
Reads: 12,56
